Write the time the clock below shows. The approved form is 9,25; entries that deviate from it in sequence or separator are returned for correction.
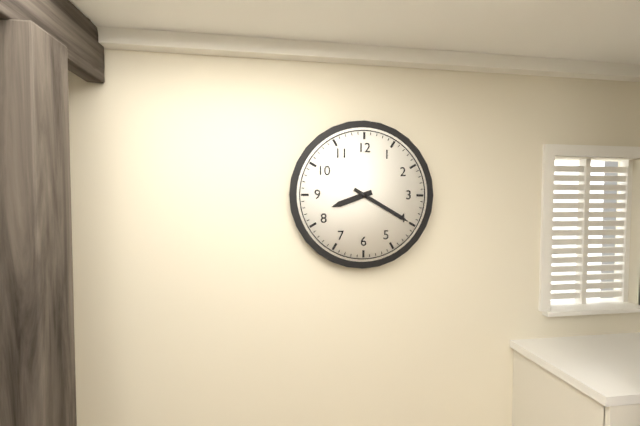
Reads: 8,20
